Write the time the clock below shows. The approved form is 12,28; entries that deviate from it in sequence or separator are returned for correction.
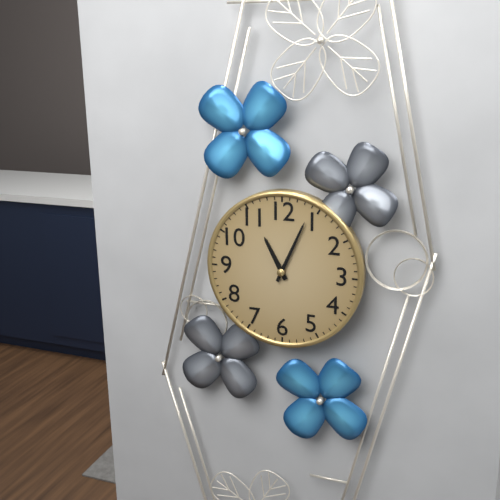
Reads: 11,04
